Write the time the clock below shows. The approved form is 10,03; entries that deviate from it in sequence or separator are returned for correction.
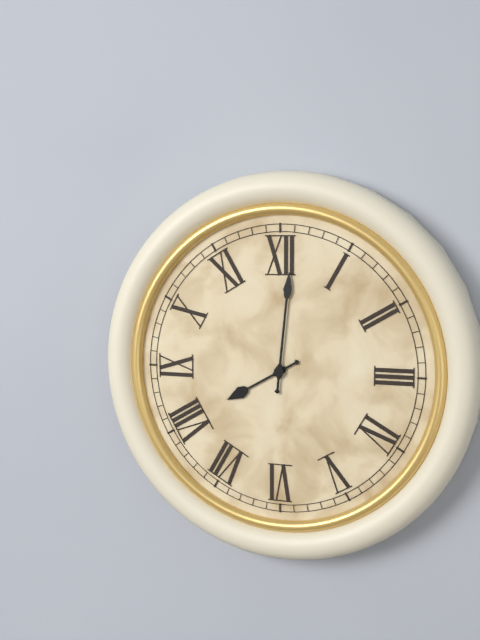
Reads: 8,01
